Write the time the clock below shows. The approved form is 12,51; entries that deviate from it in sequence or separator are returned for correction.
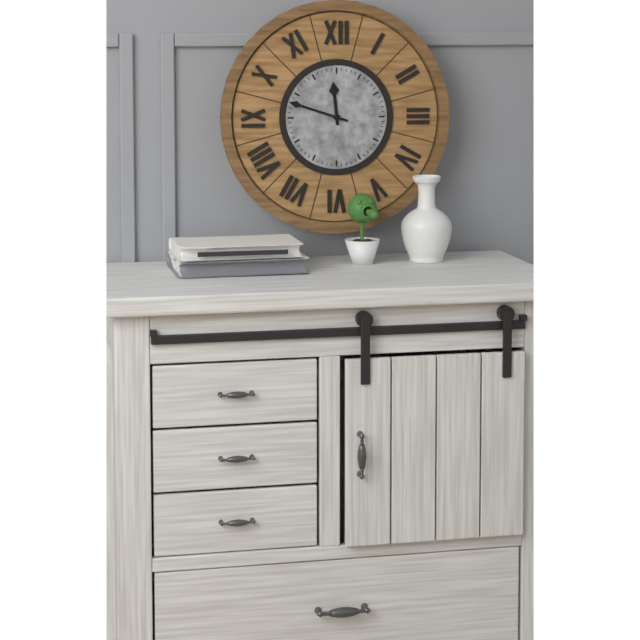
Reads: 11,48
